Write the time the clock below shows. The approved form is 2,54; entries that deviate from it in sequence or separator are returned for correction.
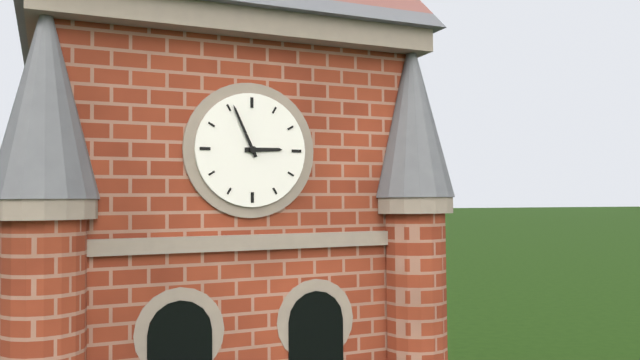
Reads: 2,56
